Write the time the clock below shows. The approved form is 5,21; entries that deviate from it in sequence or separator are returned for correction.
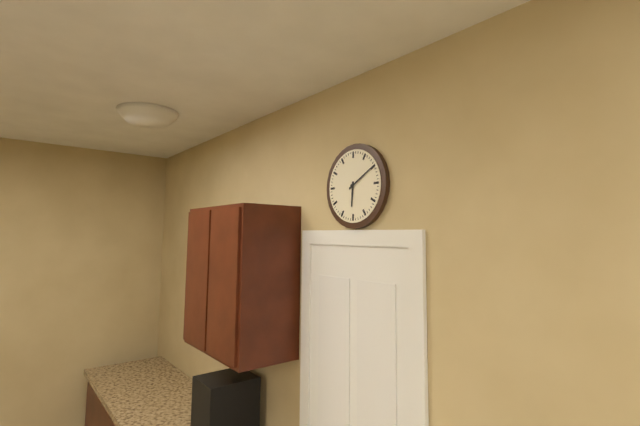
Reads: 6,10
